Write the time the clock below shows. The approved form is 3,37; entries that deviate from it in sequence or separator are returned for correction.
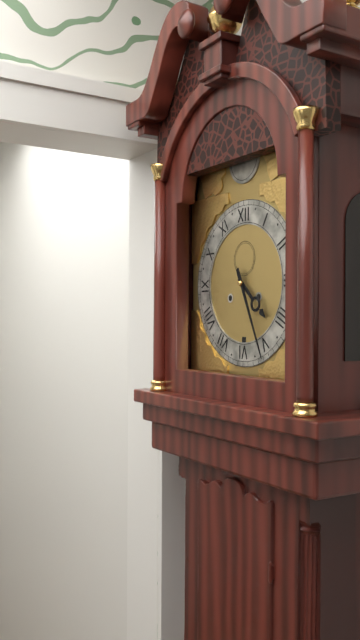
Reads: 4,26
